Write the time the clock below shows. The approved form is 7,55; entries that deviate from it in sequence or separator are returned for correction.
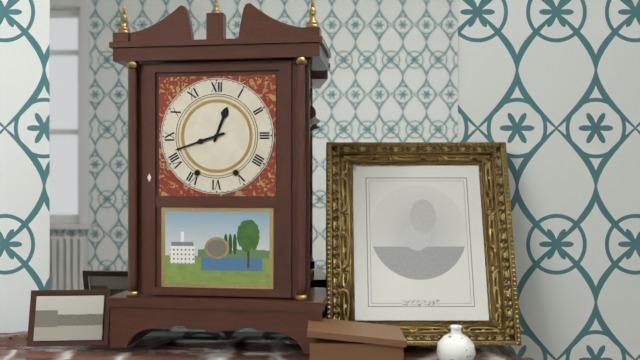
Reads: 12,42
